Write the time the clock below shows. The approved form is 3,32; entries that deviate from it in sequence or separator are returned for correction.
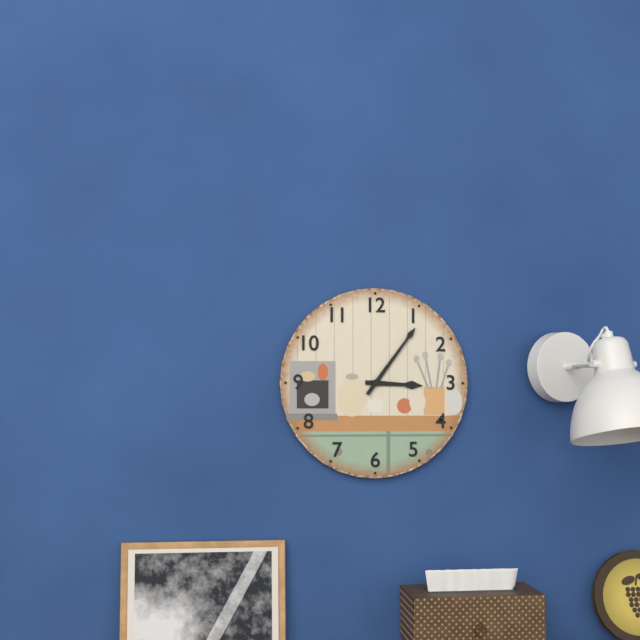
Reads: 3,06
